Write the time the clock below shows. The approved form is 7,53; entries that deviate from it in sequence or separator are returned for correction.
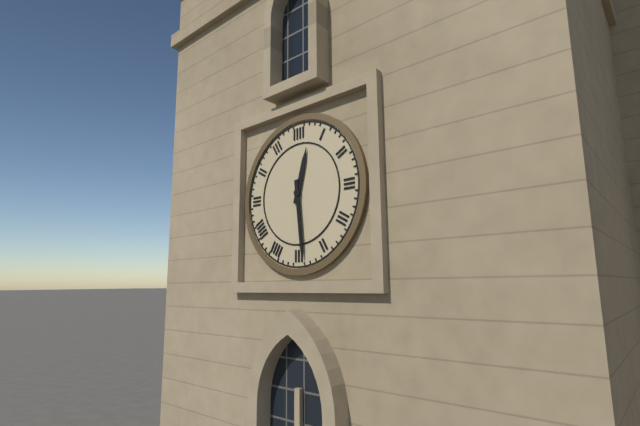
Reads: 12,29
